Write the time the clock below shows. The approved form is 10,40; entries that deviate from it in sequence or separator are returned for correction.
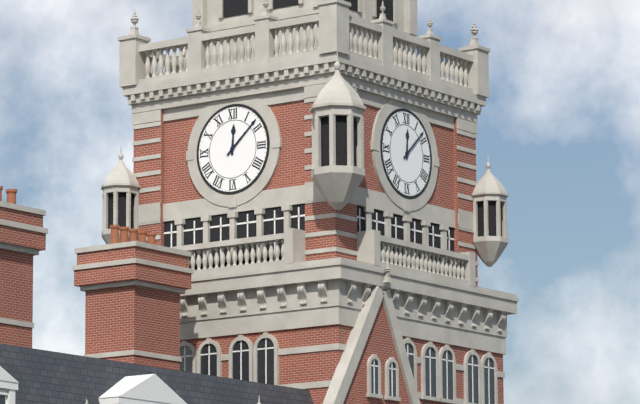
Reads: 12,08
